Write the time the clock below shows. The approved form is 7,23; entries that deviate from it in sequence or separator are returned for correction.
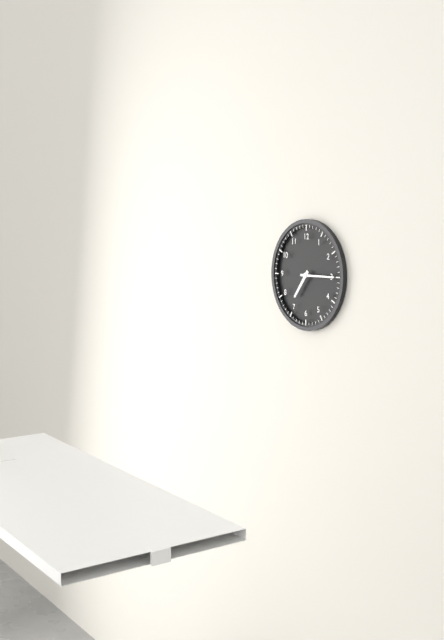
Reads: 7,15
